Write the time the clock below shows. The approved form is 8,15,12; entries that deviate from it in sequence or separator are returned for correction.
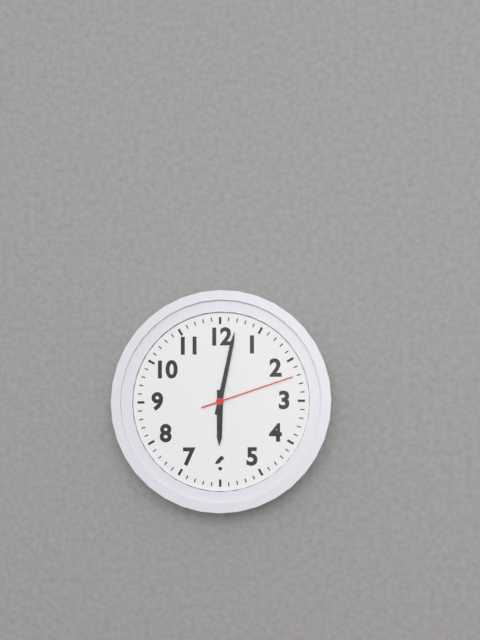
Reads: 6,02,12
